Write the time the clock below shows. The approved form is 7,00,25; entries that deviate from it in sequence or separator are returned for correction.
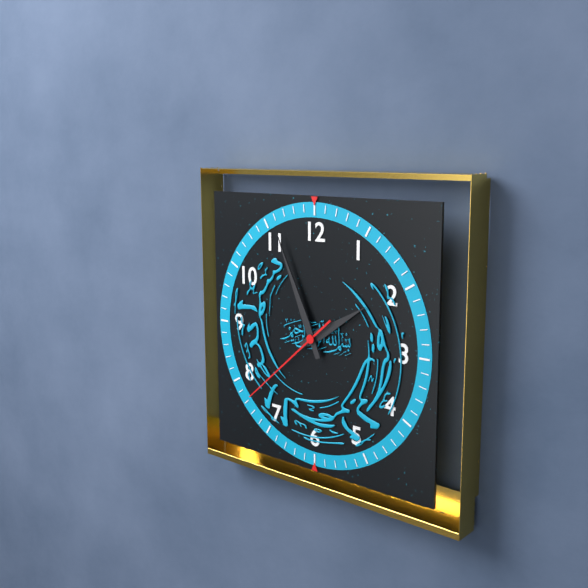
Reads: 1,56,38
